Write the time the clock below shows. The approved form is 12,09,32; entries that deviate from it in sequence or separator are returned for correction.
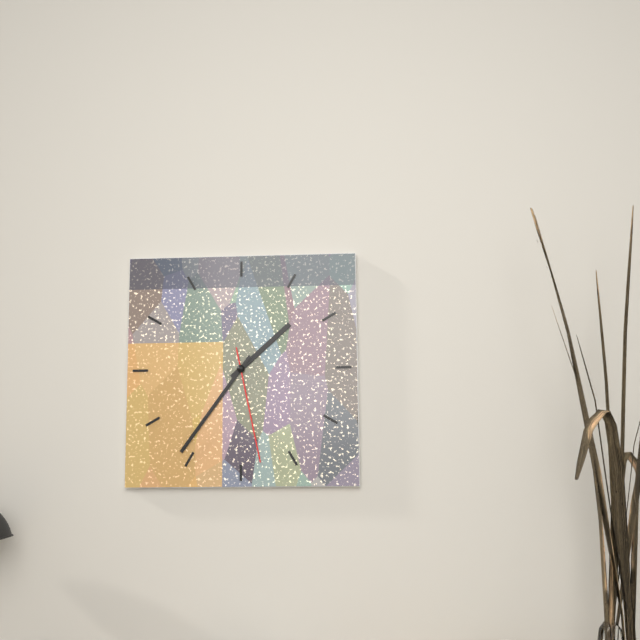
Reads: 1,36,28
